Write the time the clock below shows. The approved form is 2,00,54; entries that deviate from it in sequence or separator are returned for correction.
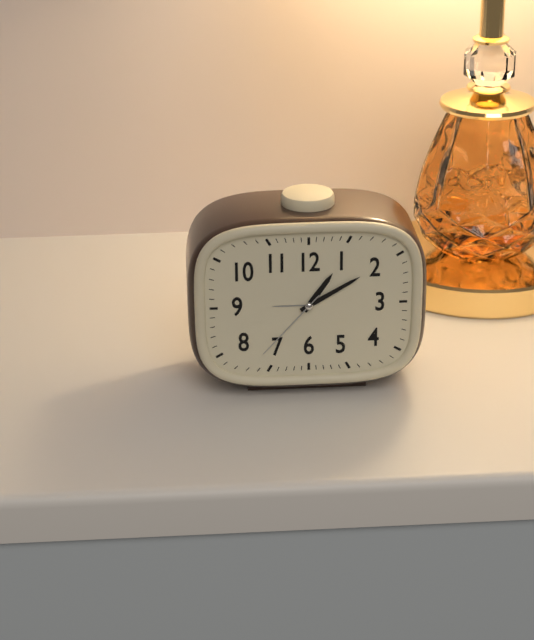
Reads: 1,10,37
